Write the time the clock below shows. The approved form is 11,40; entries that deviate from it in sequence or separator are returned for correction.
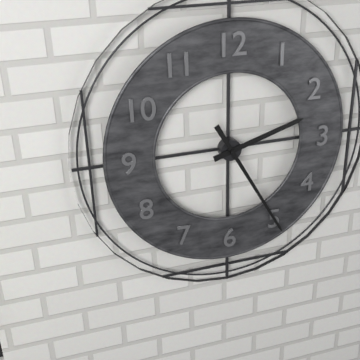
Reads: 2,25
